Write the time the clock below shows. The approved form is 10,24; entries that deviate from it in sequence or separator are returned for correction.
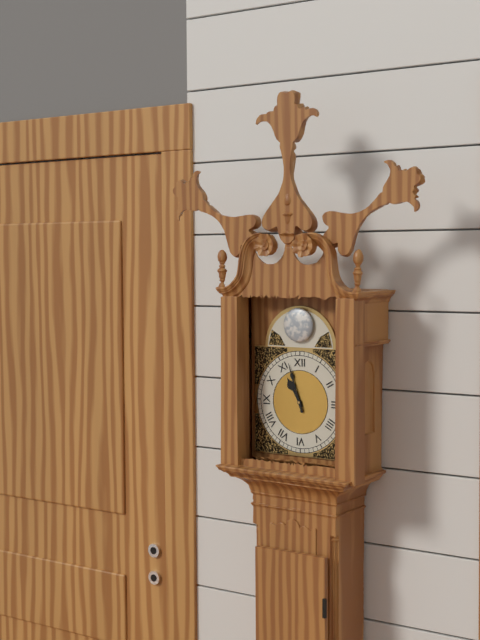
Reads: 10,57
